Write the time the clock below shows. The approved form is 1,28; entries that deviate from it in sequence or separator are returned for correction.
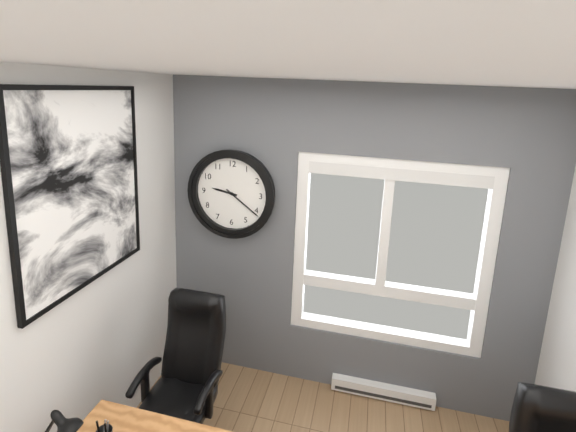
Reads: 9,21
